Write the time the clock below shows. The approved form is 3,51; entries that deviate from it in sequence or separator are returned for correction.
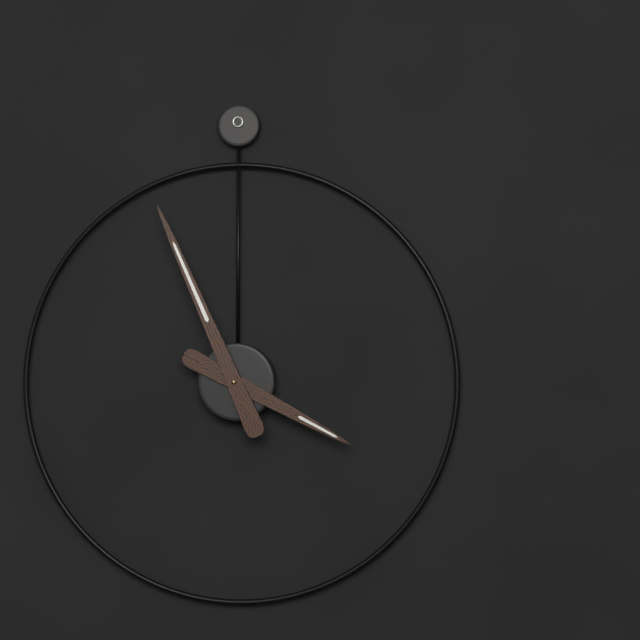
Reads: 3,56
